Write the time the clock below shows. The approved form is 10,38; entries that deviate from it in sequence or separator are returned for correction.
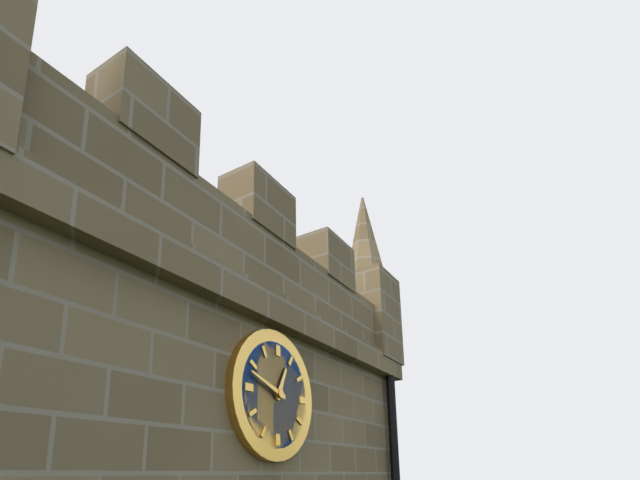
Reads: 12,48
